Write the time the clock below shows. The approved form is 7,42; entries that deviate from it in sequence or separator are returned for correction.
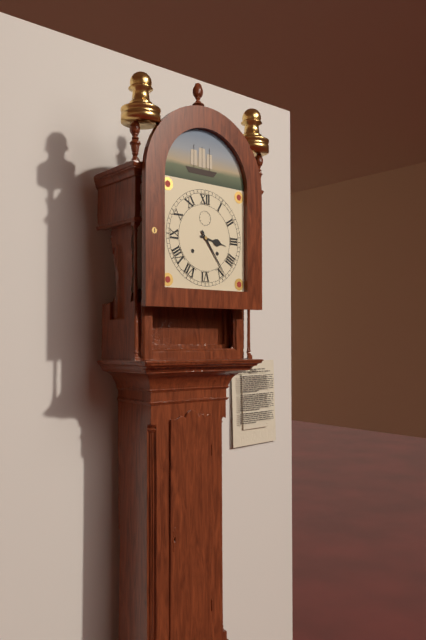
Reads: 3,24
